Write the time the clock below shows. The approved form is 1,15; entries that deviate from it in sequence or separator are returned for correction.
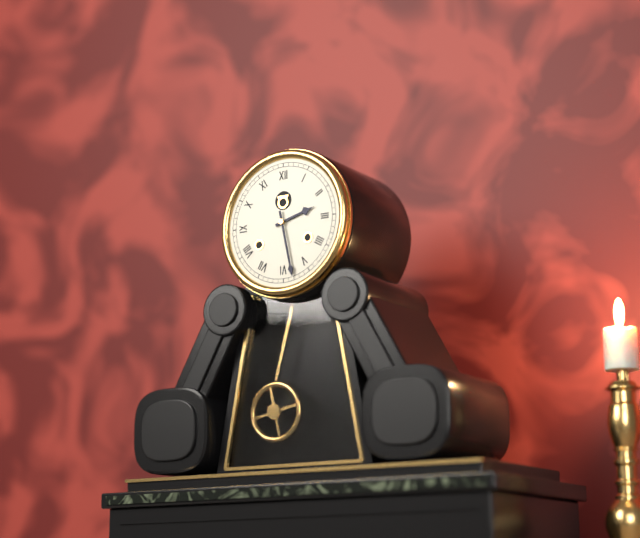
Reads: 2,28
